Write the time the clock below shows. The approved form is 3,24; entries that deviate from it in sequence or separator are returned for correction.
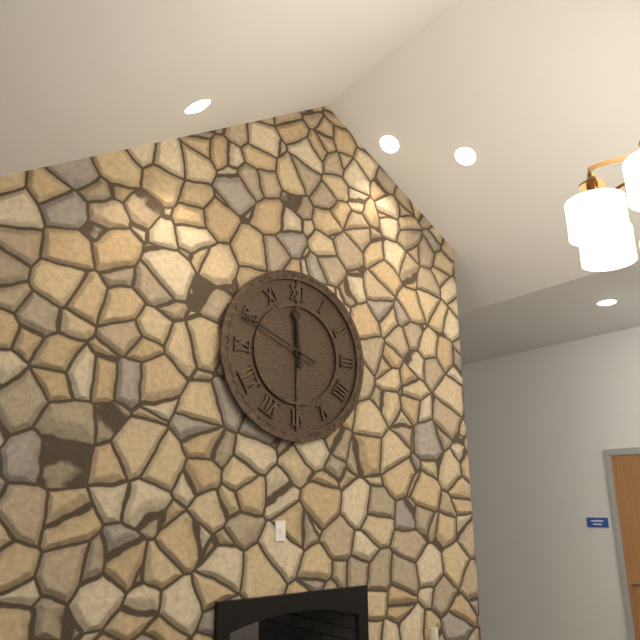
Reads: 11,49
